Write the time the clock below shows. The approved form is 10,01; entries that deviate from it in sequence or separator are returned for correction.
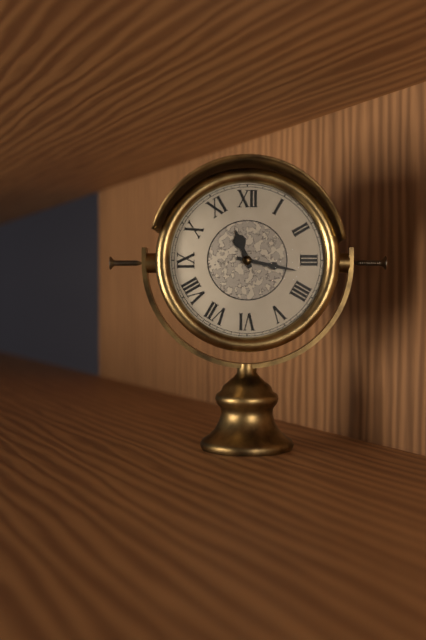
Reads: 11,17
